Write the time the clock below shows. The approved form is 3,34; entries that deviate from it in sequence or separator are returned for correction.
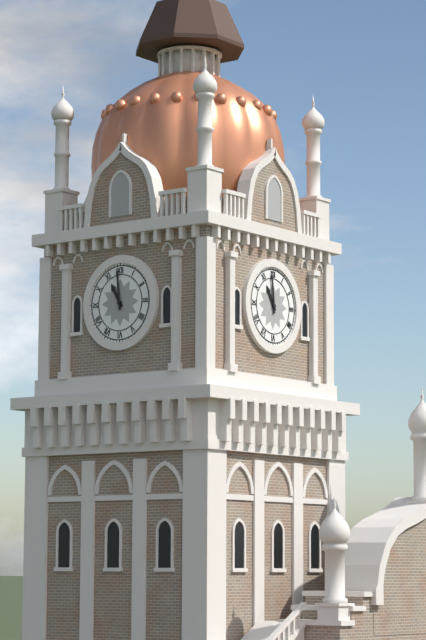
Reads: 10,59
